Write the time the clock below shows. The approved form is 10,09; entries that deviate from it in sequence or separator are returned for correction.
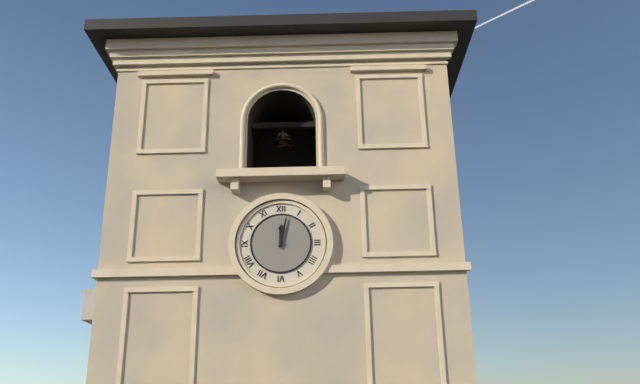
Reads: 12,02
